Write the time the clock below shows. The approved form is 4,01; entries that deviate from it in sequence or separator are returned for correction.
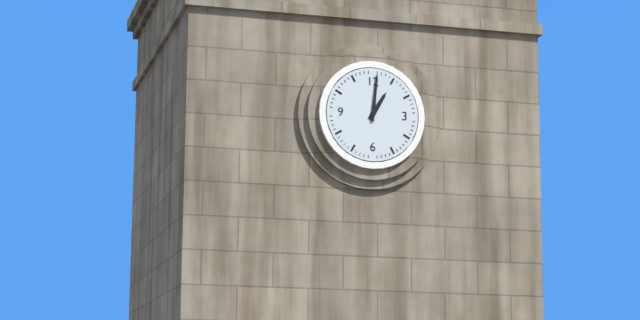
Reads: 1,01
